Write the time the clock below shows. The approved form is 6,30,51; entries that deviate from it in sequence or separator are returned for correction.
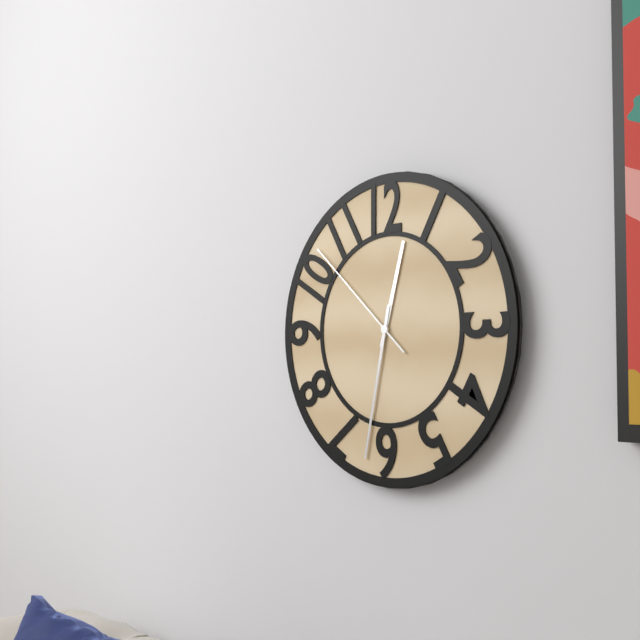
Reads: 12,32,52
